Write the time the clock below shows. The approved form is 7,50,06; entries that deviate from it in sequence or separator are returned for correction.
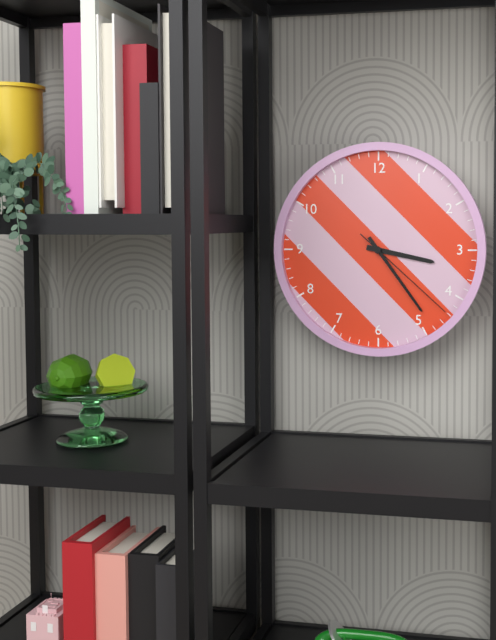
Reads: 3,24,22
